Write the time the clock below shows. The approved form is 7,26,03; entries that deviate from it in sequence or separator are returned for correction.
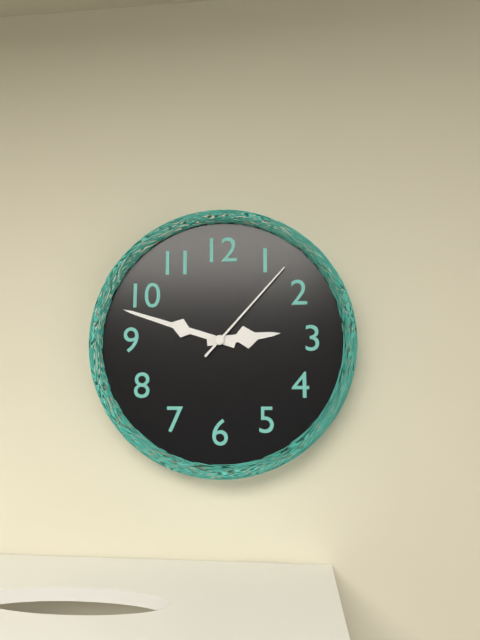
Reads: 2,48,07
